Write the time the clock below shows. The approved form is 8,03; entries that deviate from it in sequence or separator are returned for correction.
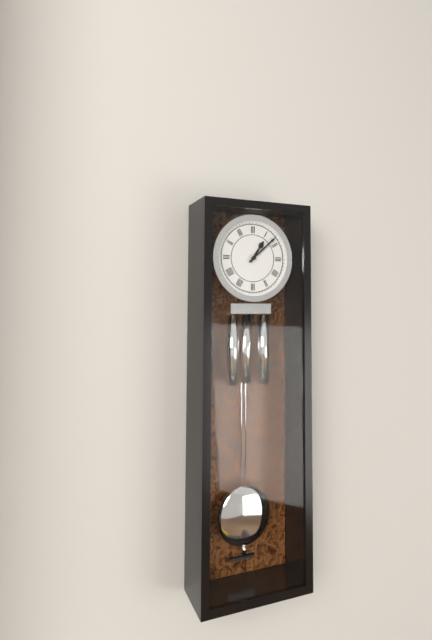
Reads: 1,08
